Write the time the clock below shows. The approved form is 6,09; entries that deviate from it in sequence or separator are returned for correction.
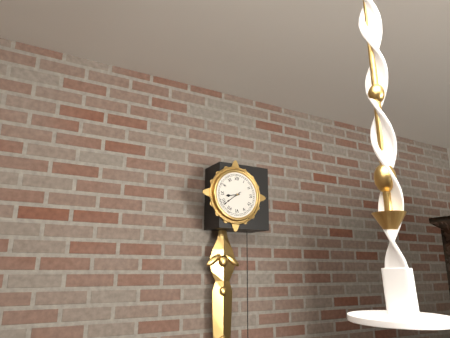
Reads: 8,39
